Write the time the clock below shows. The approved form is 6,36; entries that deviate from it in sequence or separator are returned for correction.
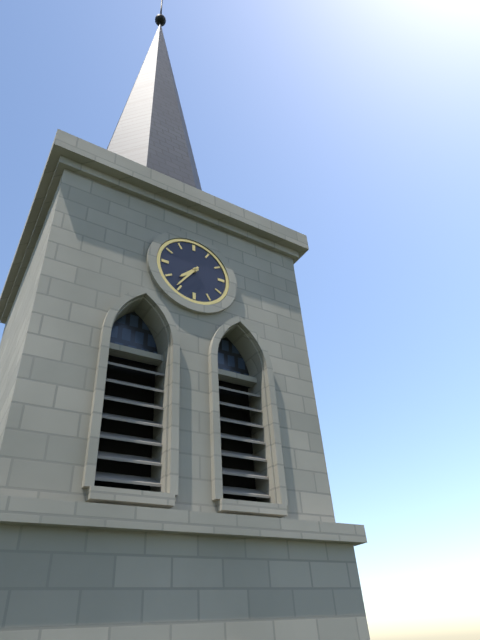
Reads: 7,36
